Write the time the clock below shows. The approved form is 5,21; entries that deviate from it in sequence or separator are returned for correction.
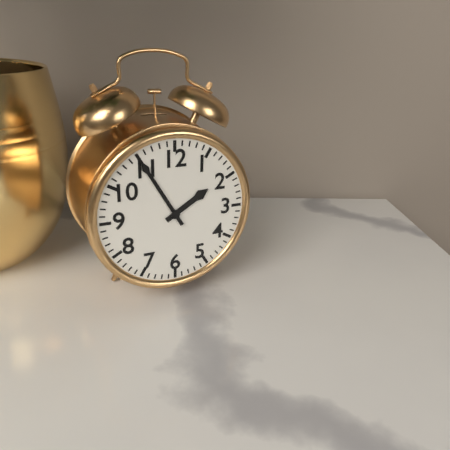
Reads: 1,55
